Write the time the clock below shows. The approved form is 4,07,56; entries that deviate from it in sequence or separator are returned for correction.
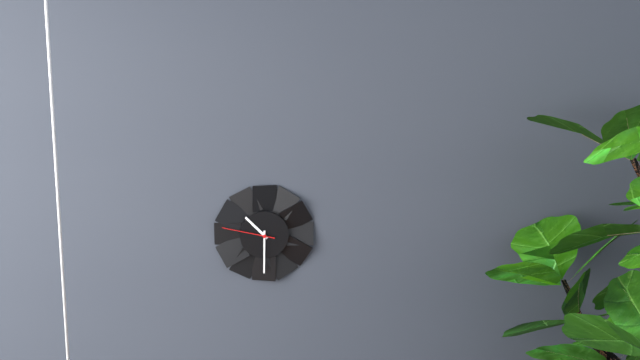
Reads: 10,30,47
